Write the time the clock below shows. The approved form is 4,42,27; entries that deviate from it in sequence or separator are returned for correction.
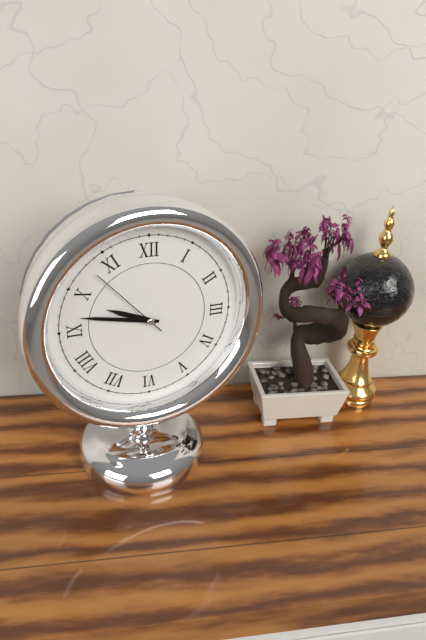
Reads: 9,47,53
